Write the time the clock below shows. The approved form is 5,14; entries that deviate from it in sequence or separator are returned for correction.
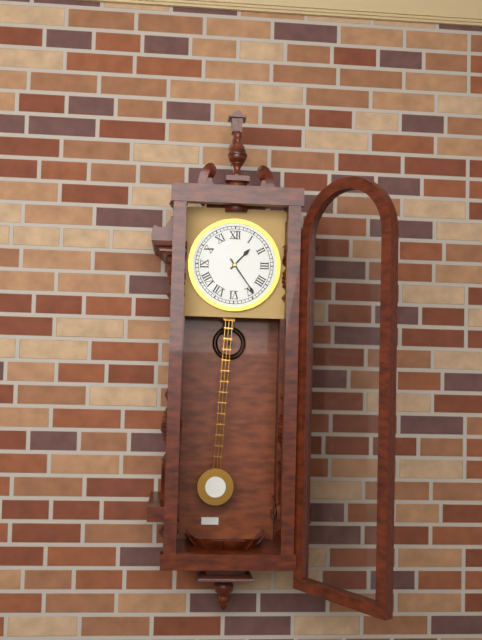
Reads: 1,24
